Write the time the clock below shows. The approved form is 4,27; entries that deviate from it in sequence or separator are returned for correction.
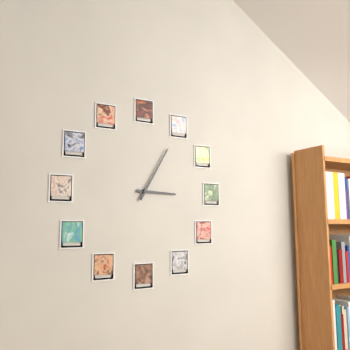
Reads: 3,05
